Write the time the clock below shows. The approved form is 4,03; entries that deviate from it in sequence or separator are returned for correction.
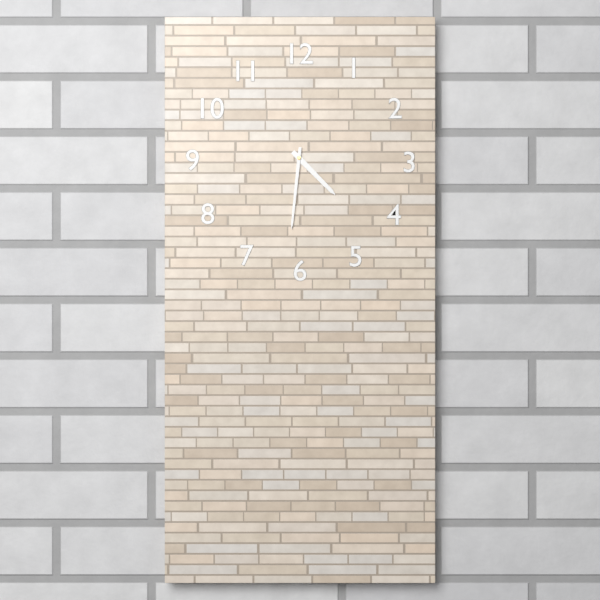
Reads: 4,31
